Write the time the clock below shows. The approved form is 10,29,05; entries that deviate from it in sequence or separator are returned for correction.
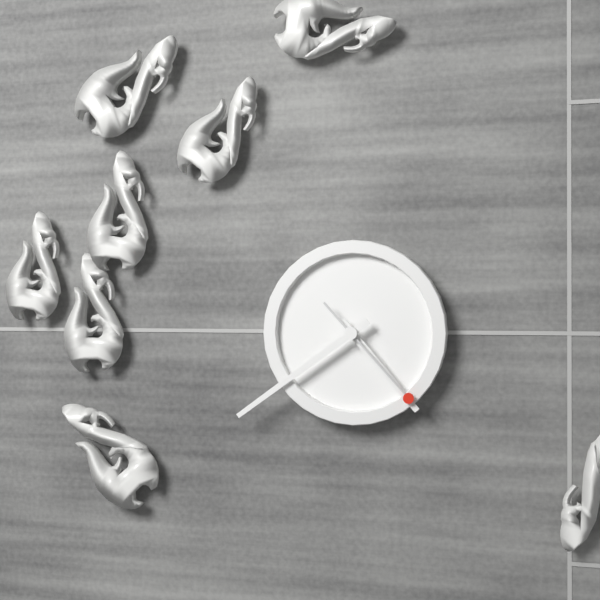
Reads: 4,39,23
